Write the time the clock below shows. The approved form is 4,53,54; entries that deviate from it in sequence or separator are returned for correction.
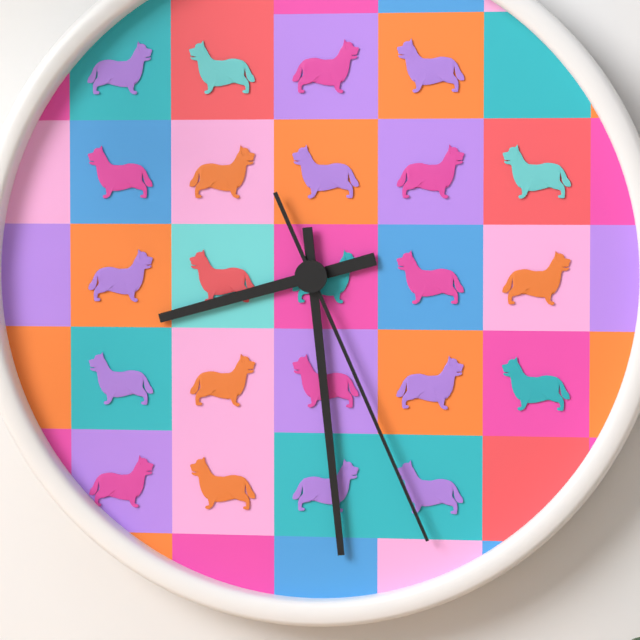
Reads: 8,29,26
